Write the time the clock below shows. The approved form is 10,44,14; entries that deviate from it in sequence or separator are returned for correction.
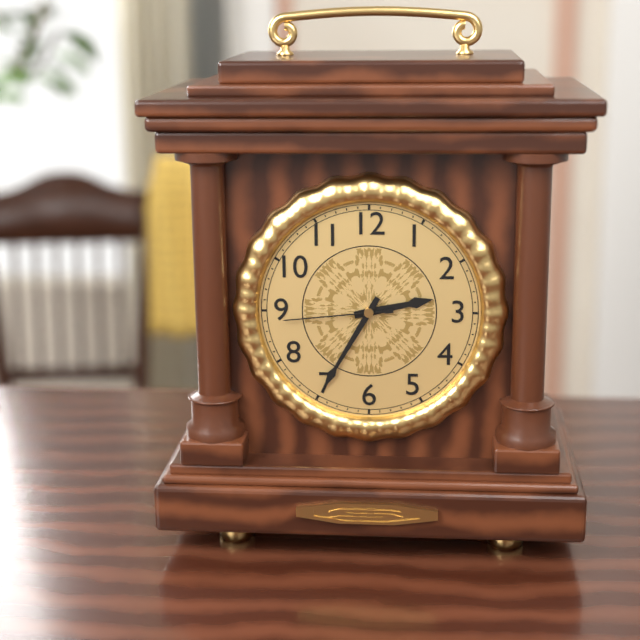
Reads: 2,35,44
